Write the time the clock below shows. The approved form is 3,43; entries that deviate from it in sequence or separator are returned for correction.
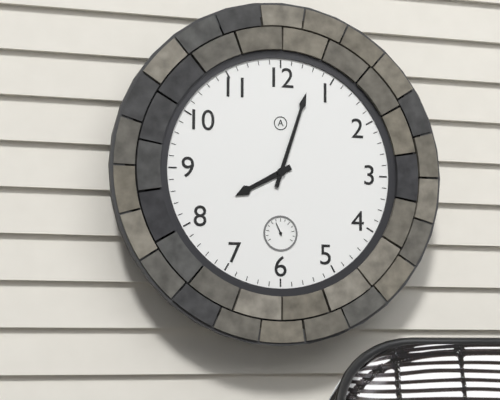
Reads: 8,03
